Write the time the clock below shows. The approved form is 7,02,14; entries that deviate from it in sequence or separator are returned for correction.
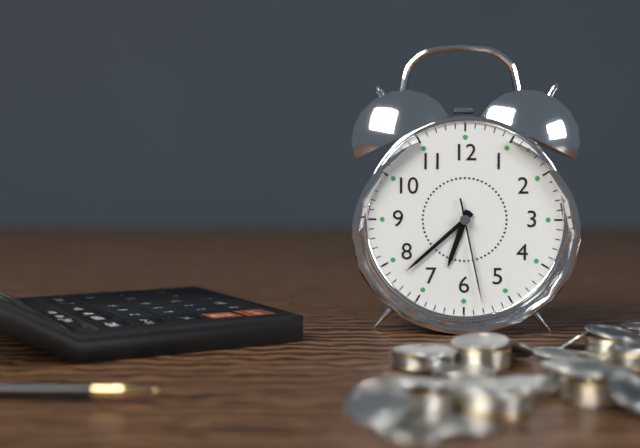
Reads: 6,38,28
